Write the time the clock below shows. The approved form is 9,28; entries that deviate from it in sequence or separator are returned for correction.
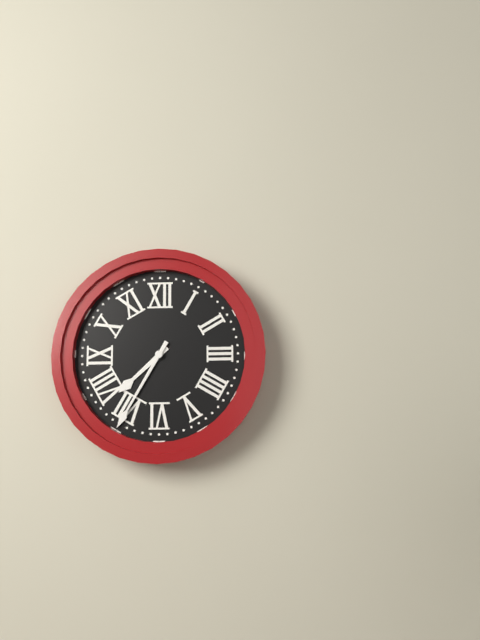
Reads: 7,35
